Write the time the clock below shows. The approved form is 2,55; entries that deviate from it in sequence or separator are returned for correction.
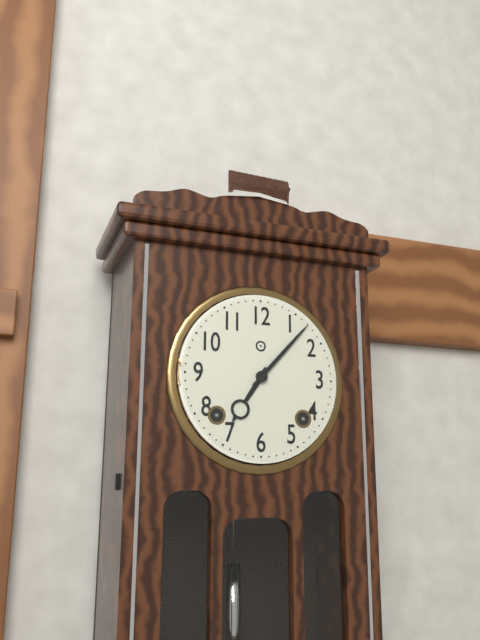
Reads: 7,07
